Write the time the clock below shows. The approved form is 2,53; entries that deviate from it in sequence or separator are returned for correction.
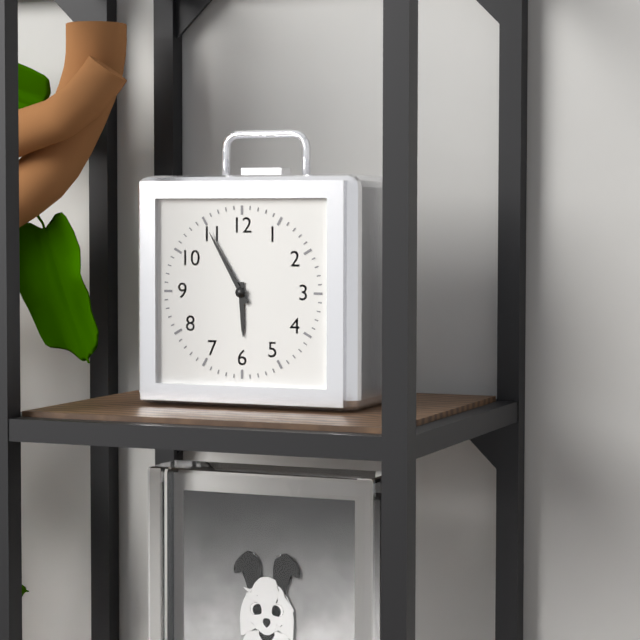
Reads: 5,55
